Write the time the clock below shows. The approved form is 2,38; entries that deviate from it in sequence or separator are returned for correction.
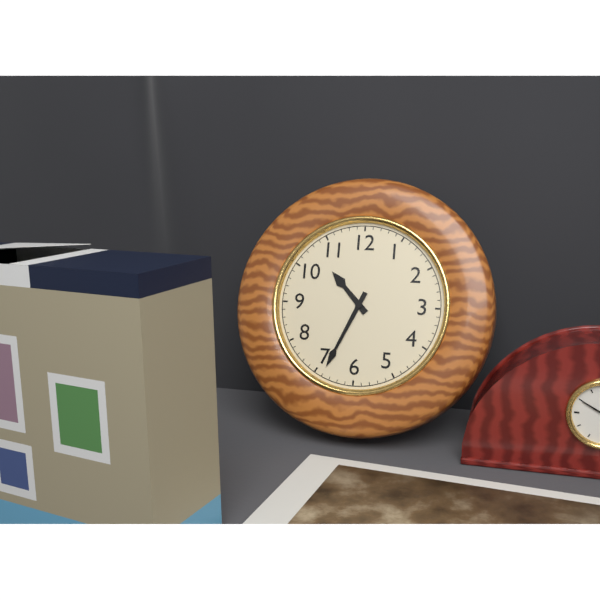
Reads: 10,34
